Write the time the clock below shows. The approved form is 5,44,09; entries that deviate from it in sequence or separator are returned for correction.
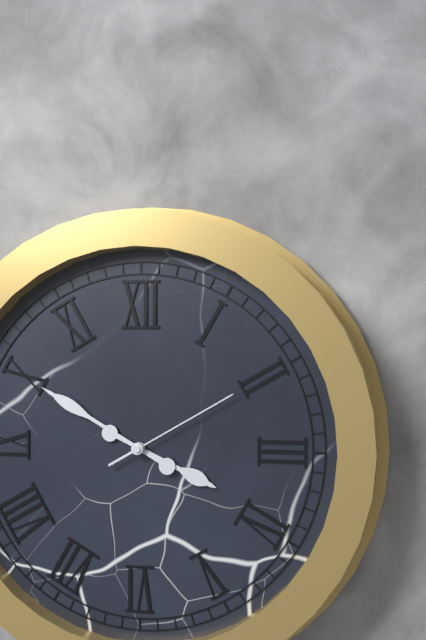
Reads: 3,50,10
